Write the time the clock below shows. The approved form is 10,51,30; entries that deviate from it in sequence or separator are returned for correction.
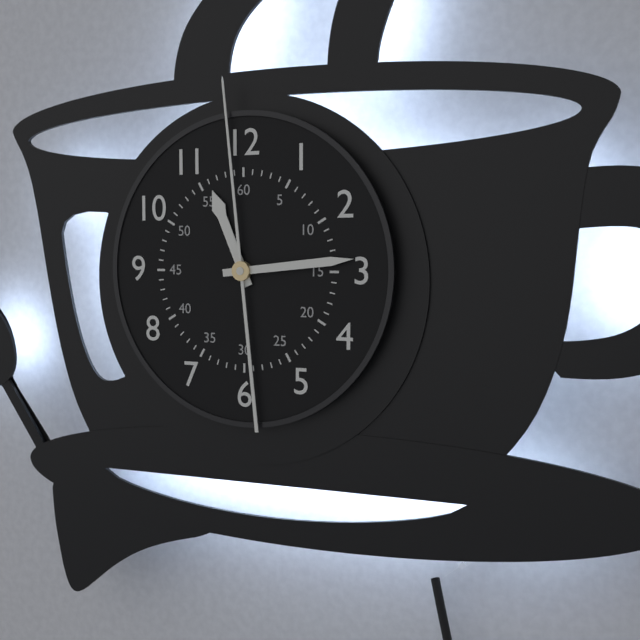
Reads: 11,14,59
